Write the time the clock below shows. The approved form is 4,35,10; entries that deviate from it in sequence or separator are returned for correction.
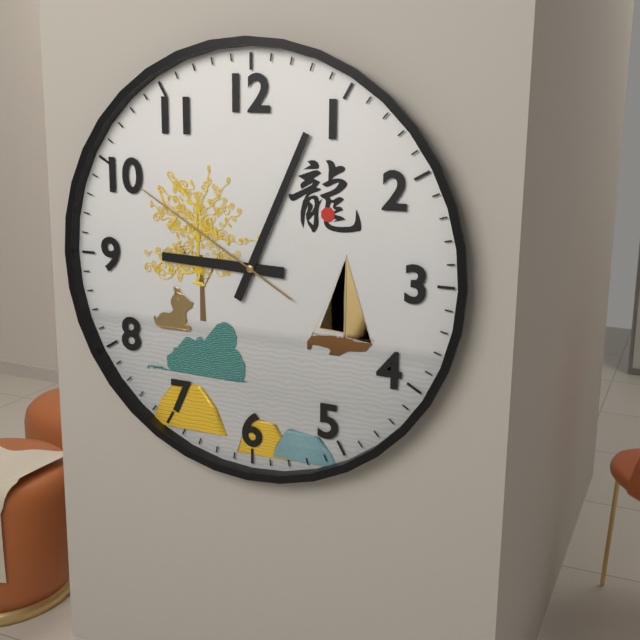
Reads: 9,04,50
